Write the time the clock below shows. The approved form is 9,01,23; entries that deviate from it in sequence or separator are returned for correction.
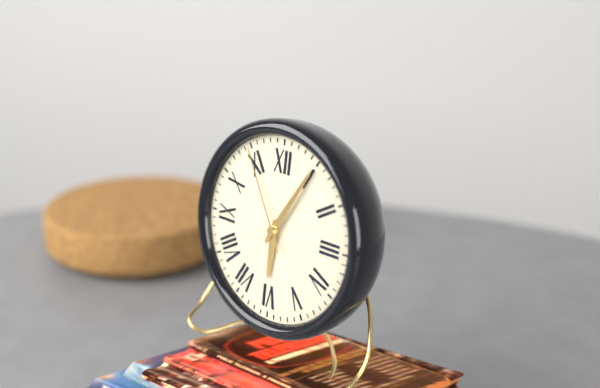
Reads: 6,05,55
